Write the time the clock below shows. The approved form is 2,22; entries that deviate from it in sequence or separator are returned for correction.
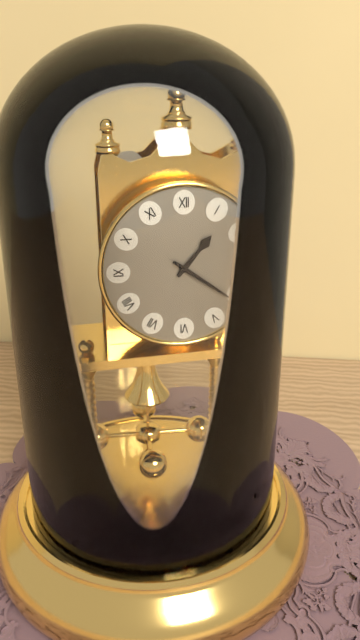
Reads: 1,21
